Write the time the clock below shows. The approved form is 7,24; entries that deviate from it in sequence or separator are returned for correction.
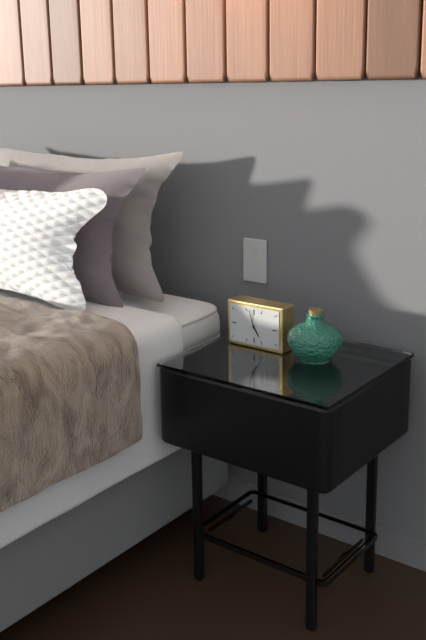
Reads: 4,57
